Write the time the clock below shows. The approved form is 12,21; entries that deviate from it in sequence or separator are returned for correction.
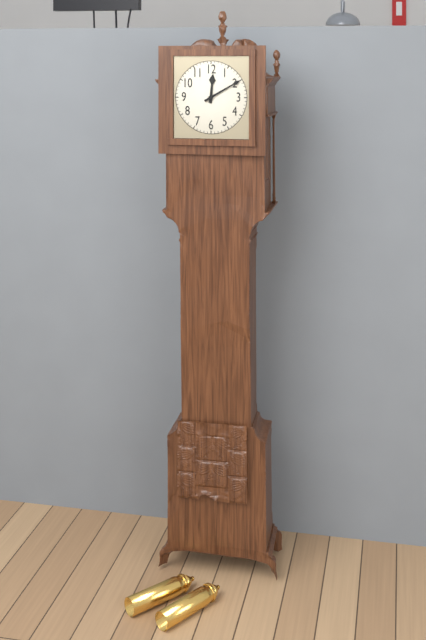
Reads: 12,10
